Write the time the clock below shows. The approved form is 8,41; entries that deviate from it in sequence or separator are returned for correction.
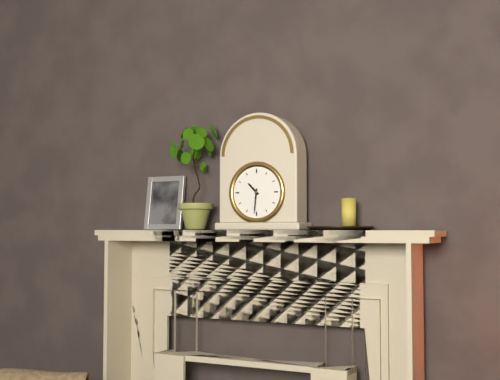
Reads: 10,31
